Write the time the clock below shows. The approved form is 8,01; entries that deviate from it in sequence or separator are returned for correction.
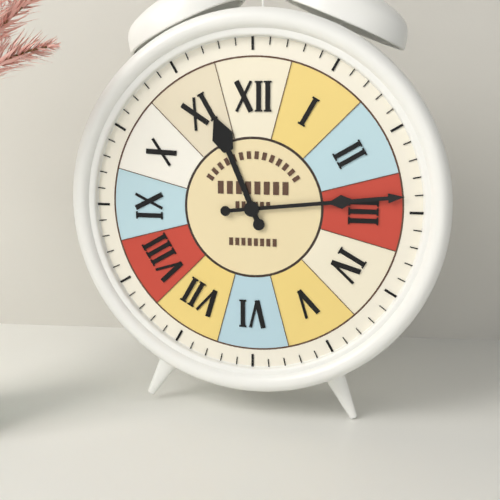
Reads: 11,14
